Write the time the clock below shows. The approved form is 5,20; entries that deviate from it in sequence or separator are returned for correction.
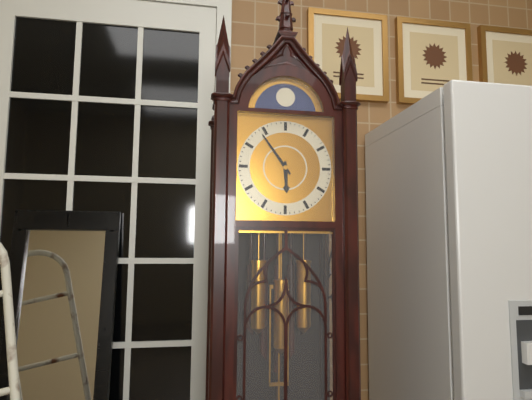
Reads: 5,54
